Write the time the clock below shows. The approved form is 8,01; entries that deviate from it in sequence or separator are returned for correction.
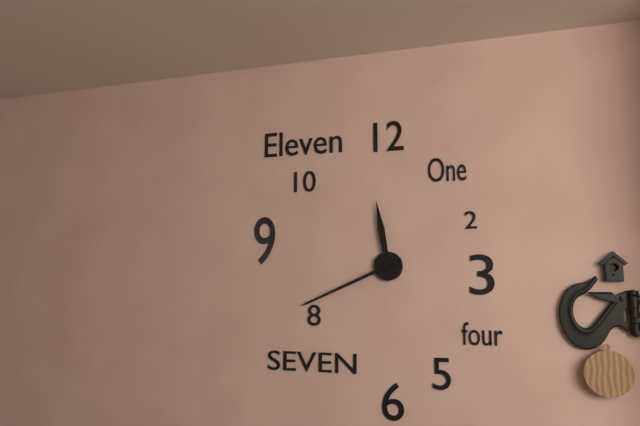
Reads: 11,41
